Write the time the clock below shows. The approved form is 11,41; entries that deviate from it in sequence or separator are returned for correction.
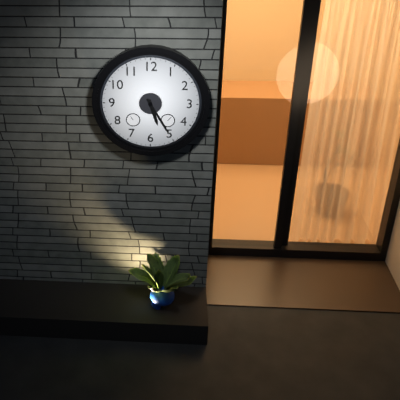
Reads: 5,25
